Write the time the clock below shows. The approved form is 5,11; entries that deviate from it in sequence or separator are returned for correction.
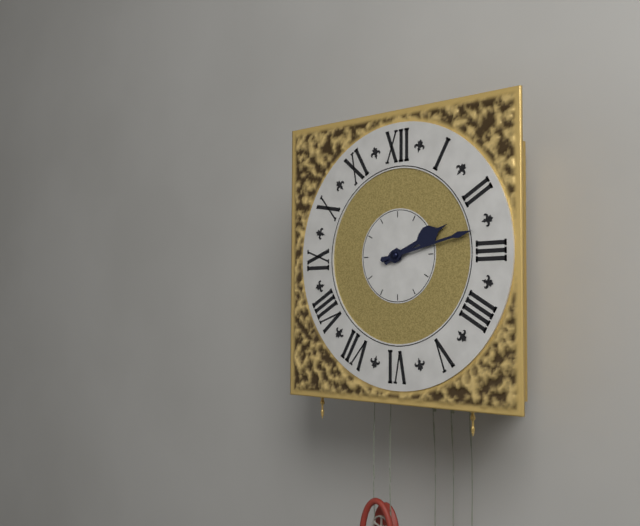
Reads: 2,13
